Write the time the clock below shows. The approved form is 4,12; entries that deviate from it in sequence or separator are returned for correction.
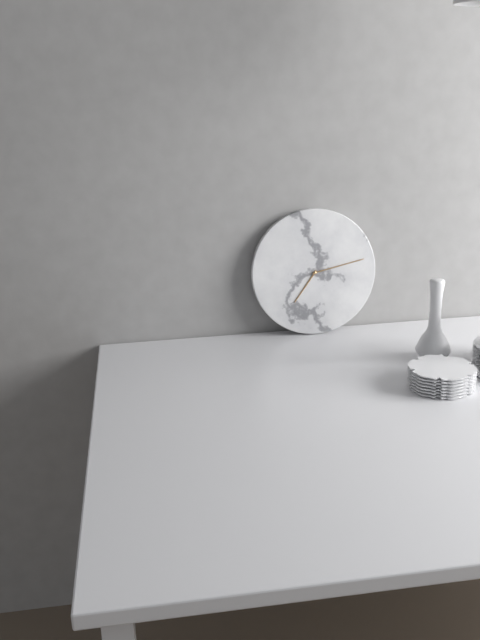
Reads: 7,13
